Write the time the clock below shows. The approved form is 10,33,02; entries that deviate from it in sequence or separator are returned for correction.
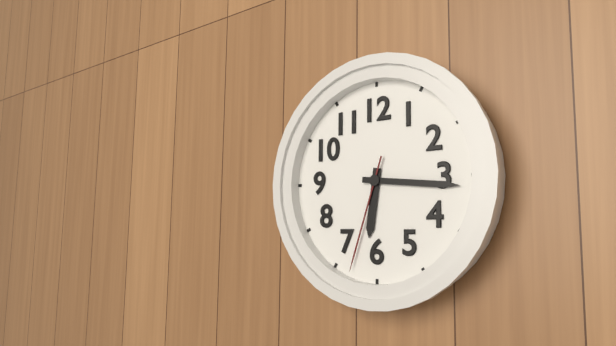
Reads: 6,16,33
